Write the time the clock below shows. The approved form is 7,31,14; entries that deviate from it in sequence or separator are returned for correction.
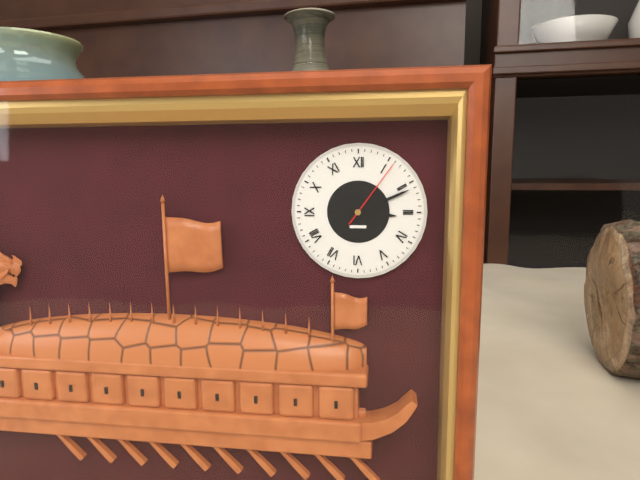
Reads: 3,11,06
